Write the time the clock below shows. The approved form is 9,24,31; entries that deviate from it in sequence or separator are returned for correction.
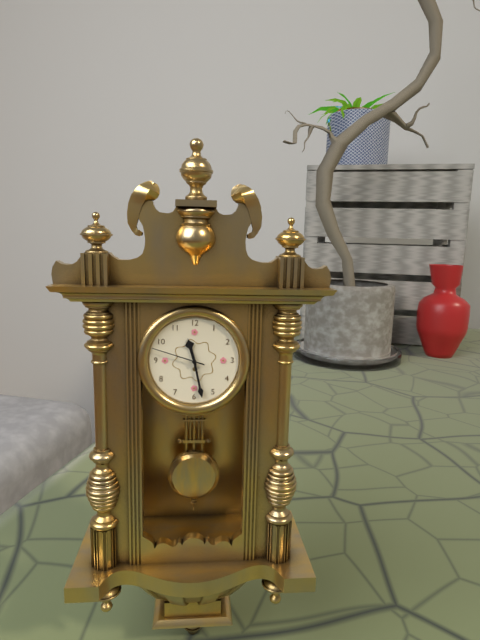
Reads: 11,28,48
